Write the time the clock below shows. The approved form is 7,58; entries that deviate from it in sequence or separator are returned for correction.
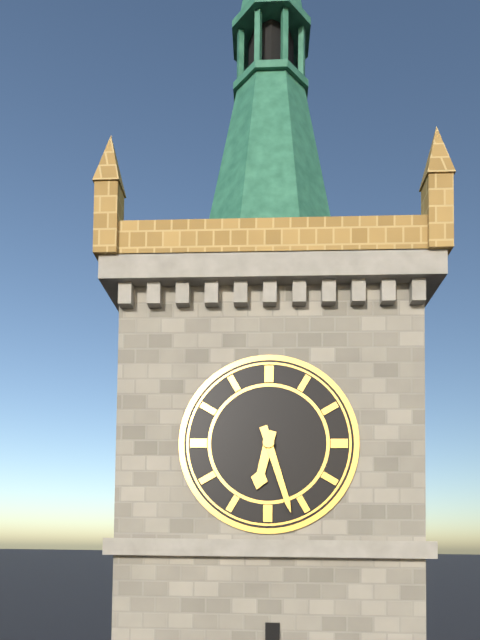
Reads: 6,27
